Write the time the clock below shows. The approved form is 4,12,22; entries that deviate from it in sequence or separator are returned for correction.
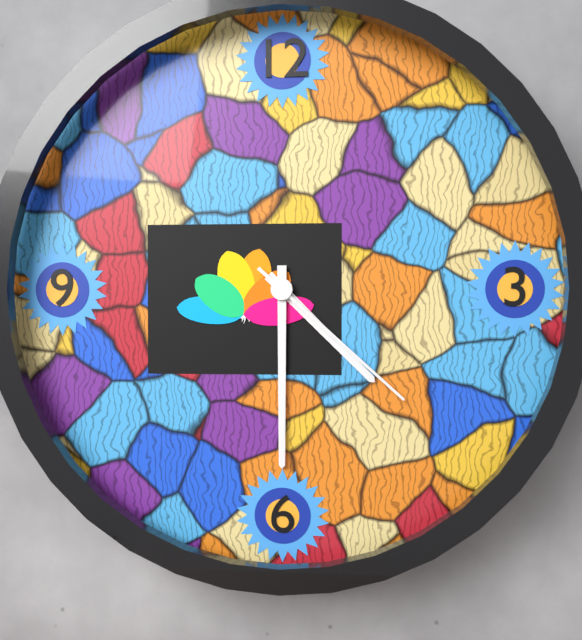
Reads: 4,30,22
